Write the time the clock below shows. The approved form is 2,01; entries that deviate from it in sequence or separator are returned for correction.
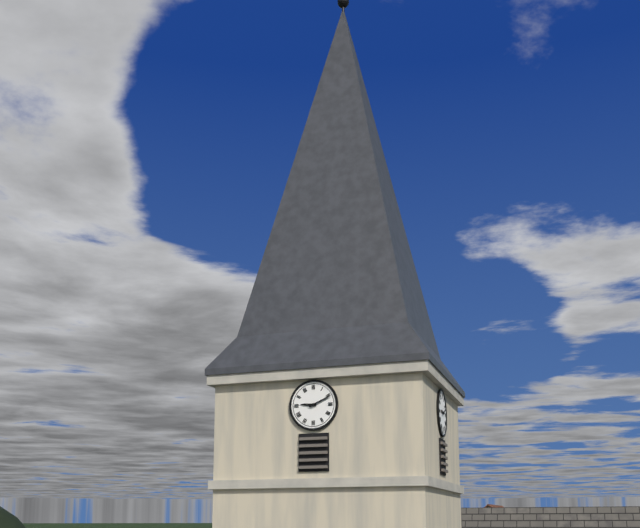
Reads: 9,11
